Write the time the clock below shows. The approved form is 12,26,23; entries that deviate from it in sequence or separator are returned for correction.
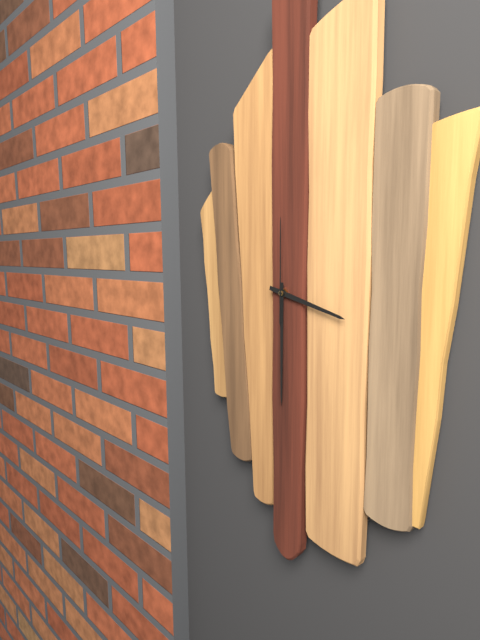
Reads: 3,30,00
